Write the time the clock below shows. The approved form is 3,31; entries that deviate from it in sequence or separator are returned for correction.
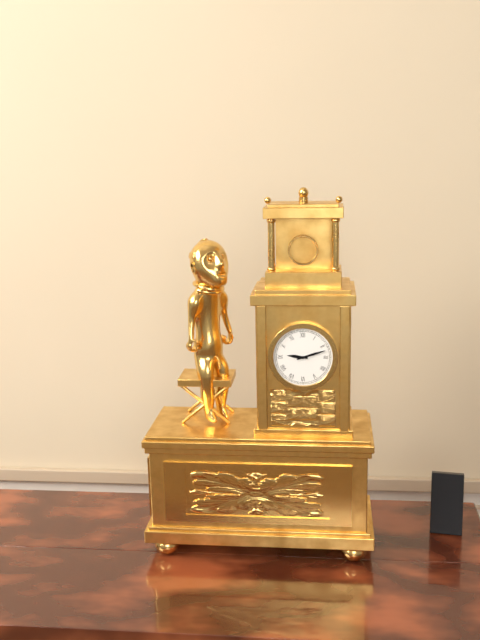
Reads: 9,12
